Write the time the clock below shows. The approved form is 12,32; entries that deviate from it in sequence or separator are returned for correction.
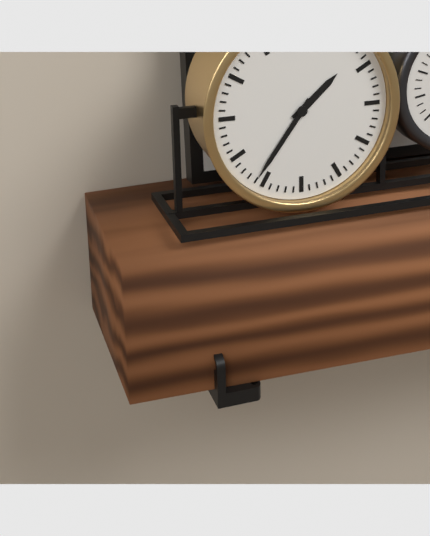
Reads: 1,36
